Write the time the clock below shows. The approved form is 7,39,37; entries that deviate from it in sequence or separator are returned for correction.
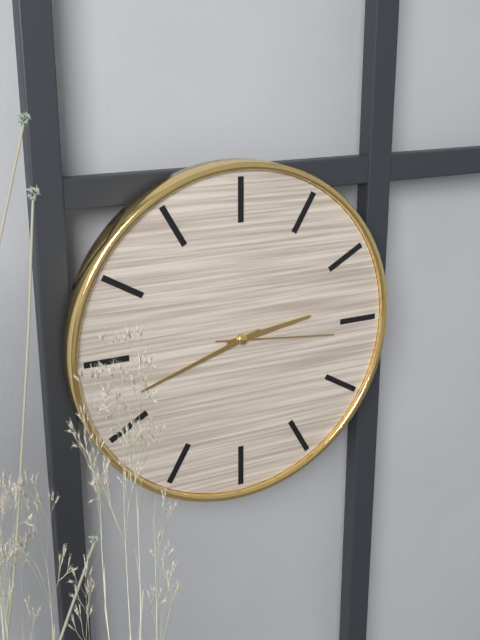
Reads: 2,42,16
